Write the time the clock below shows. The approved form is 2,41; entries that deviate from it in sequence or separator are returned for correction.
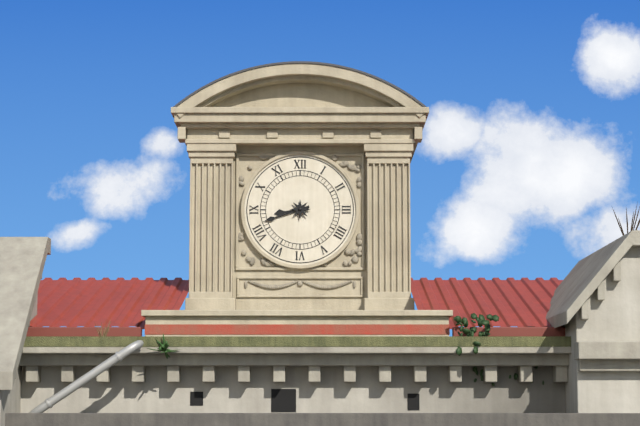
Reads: 8,42
